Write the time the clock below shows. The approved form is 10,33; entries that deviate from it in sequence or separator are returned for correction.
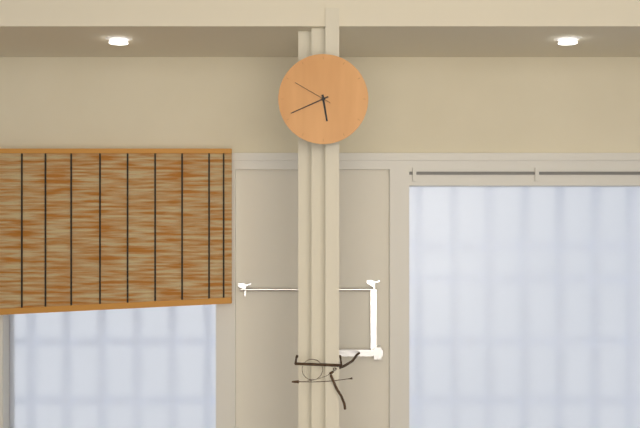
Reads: 5,41
